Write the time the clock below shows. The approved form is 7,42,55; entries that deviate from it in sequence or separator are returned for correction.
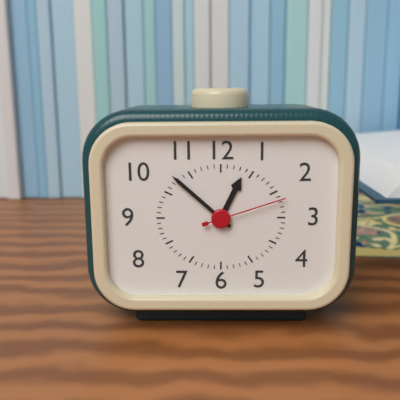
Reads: 12,52,12
